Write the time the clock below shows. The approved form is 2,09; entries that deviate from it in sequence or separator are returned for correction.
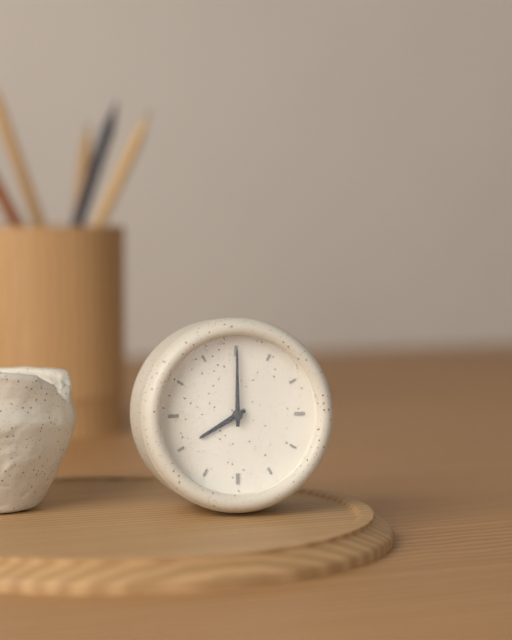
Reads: 8,00
